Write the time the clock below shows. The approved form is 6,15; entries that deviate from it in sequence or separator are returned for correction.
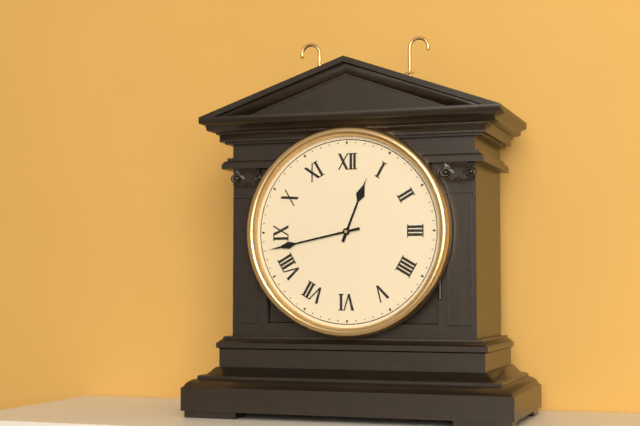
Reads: 12,43
